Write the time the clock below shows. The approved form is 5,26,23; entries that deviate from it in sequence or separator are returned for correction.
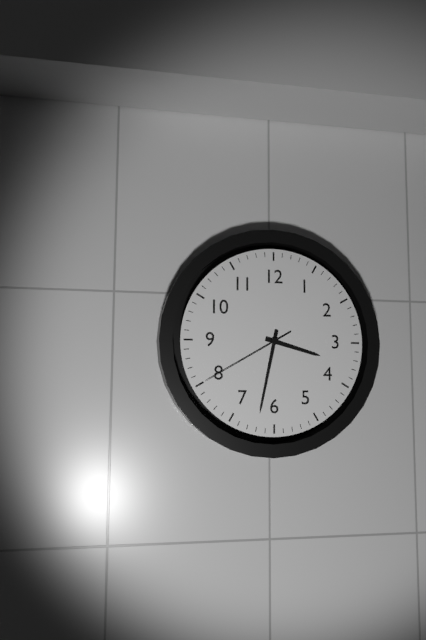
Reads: 3,32,40
